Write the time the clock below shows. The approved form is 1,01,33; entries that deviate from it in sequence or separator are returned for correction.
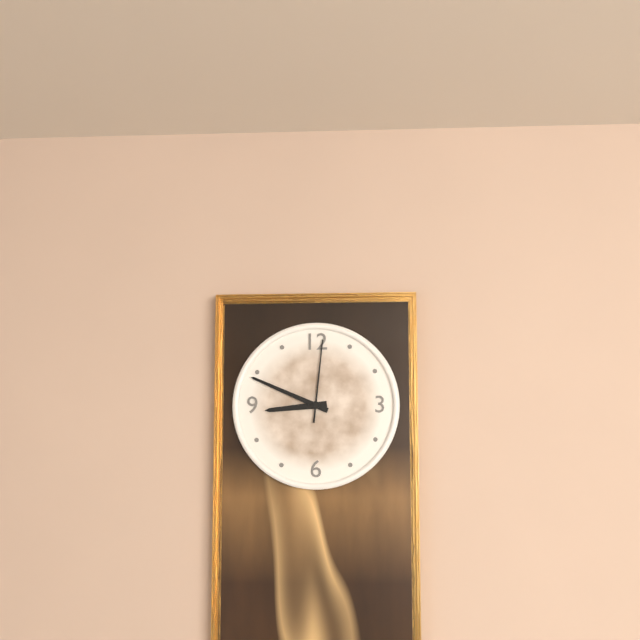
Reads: 8,49,01
